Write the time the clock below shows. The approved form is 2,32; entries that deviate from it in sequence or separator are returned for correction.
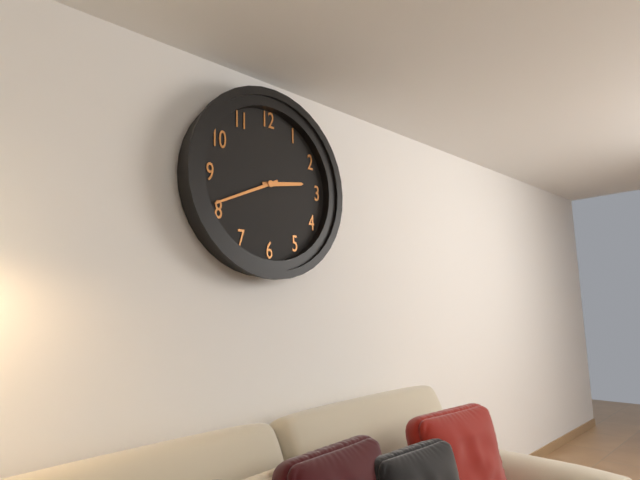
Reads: 2,41
